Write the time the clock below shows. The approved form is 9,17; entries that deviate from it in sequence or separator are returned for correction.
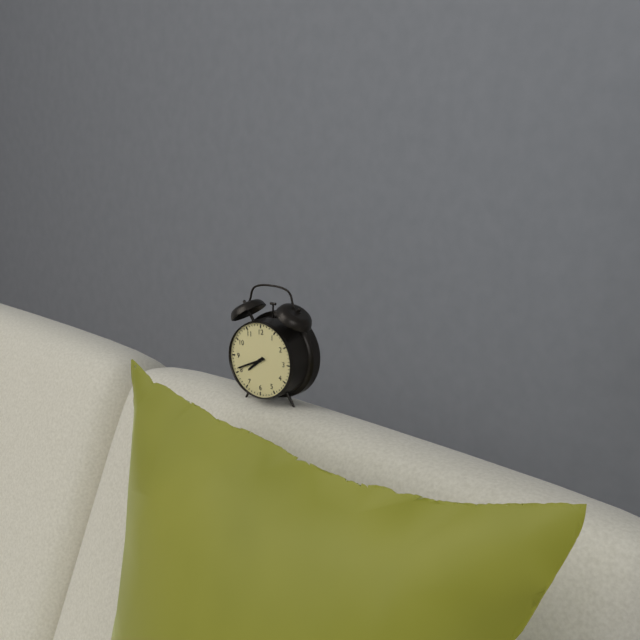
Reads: 7,41
